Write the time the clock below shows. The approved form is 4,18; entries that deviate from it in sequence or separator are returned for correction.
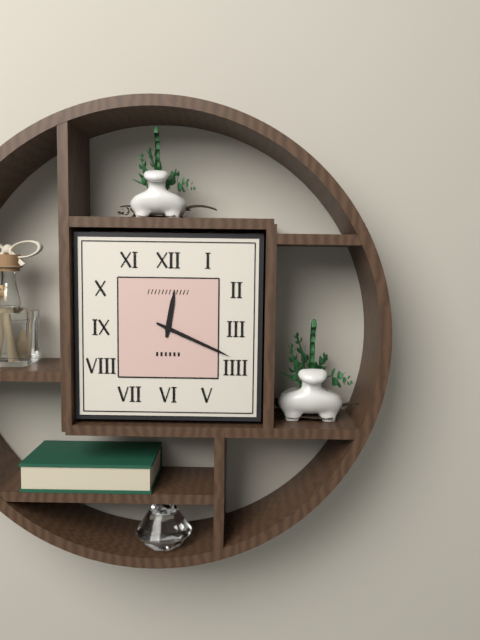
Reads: 12,19
